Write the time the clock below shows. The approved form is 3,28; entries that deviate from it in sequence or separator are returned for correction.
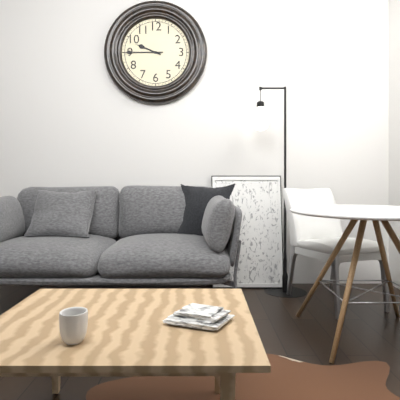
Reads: 9,45
